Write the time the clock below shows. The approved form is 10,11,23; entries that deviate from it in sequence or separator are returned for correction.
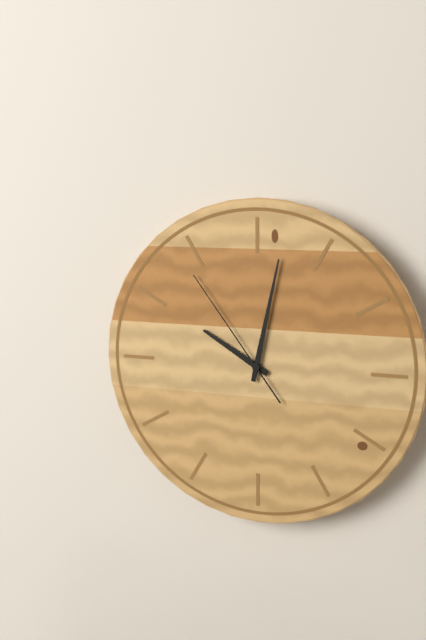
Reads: 10,02,54
